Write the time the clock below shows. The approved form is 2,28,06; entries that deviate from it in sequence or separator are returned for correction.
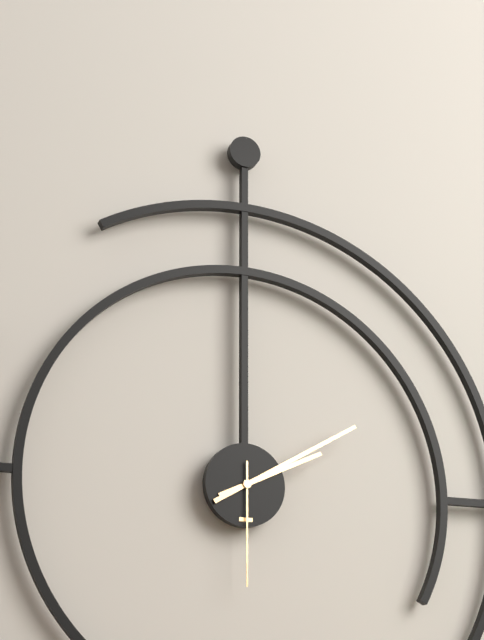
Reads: 2,10,30
